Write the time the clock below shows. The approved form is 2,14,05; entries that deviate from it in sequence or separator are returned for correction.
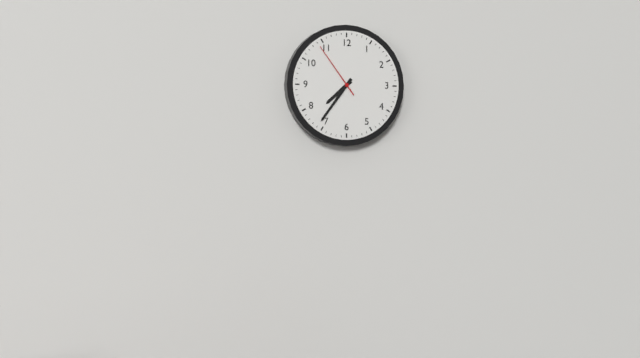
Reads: 7,36,54
